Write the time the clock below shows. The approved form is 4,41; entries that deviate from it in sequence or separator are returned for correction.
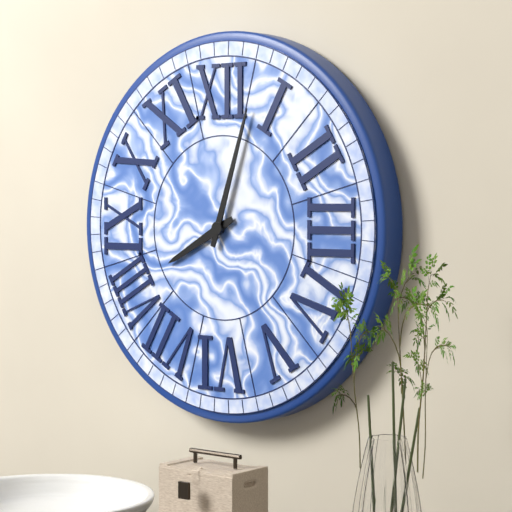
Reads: 8,03
